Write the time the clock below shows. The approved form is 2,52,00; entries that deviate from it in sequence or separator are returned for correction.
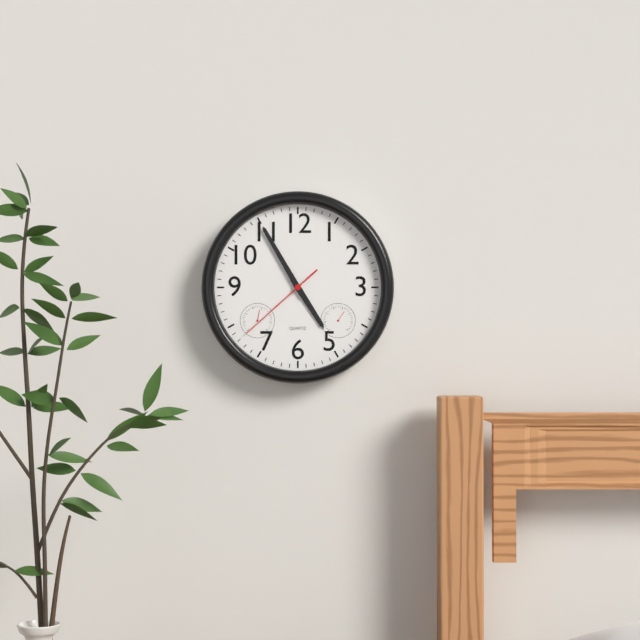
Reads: 4,55,38
